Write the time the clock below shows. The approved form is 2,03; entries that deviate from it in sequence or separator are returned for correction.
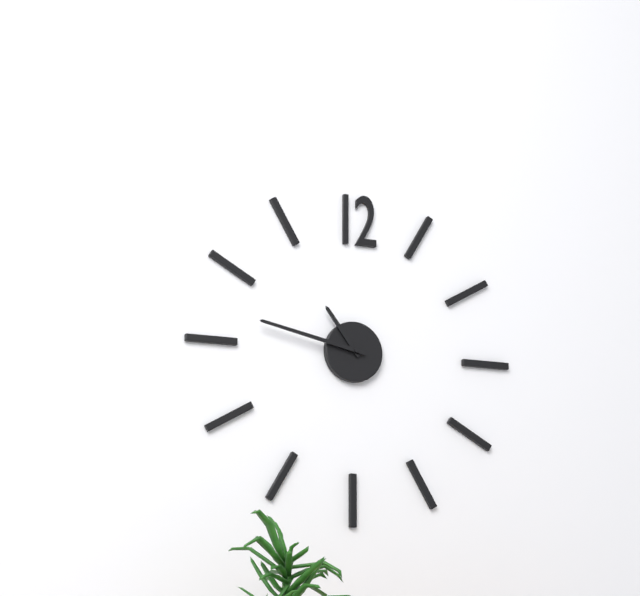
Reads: 10,47
